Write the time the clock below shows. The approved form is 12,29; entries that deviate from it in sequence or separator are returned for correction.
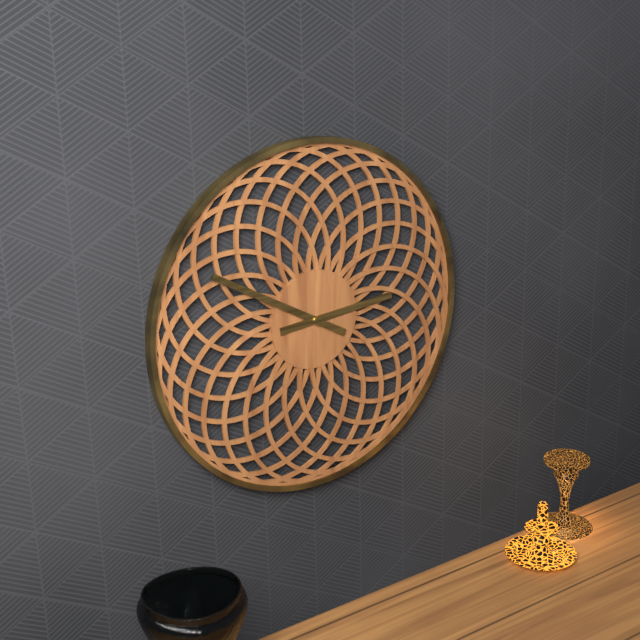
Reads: 2,50
